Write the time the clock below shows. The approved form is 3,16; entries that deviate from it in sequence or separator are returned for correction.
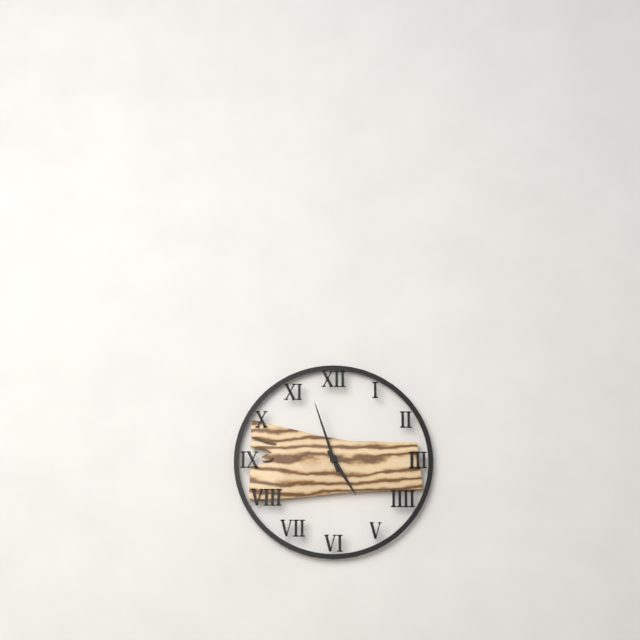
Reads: 4,57
